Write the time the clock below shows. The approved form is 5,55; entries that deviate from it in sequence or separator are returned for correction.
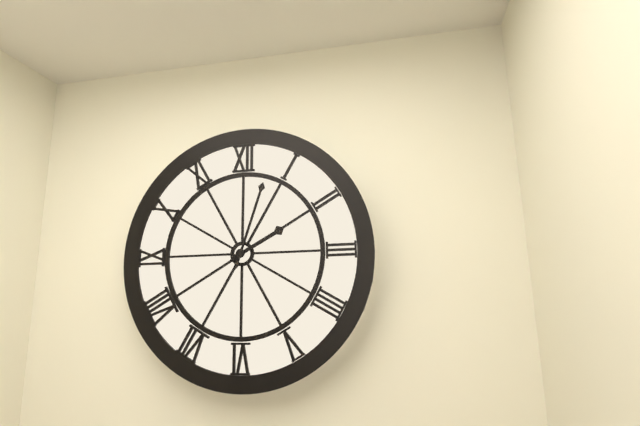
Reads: 2,03
